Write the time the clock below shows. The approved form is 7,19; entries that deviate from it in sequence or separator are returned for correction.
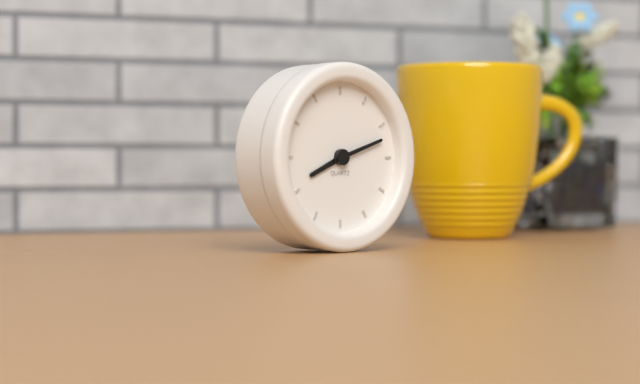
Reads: 8,12
